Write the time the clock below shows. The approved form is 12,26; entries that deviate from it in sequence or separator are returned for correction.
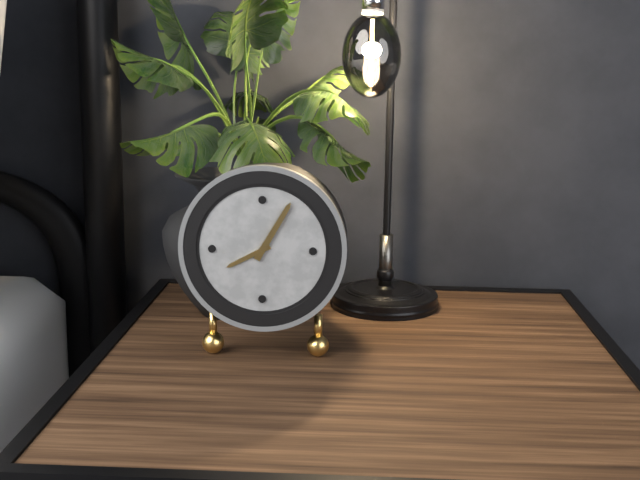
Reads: 8,05
